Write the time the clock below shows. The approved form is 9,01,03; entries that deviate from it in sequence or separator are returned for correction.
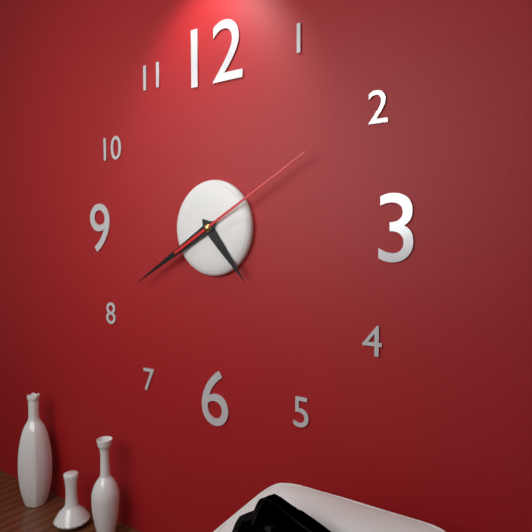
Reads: 4,40,10
